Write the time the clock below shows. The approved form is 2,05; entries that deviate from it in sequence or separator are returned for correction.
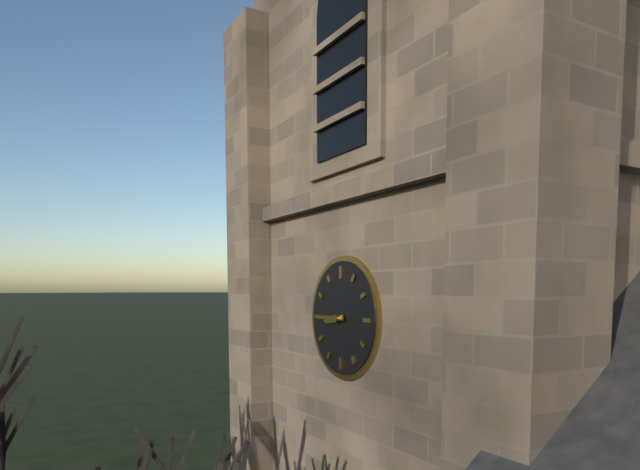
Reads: 8,45
